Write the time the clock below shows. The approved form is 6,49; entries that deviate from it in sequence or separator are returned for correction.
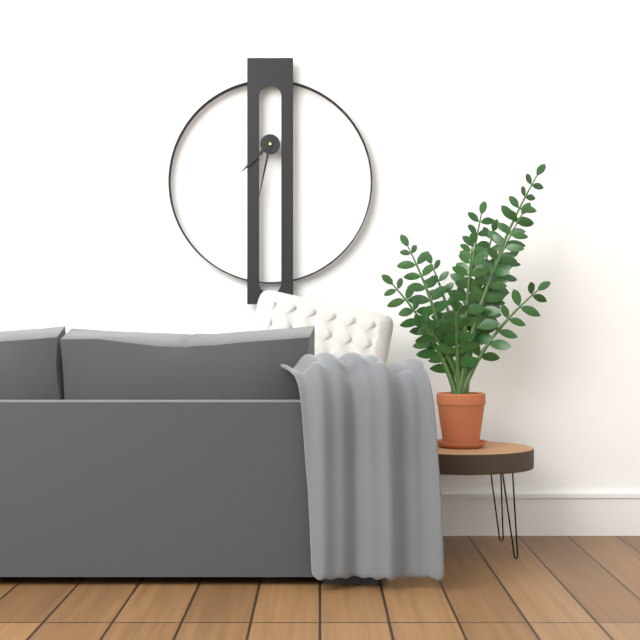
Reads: 7,32
